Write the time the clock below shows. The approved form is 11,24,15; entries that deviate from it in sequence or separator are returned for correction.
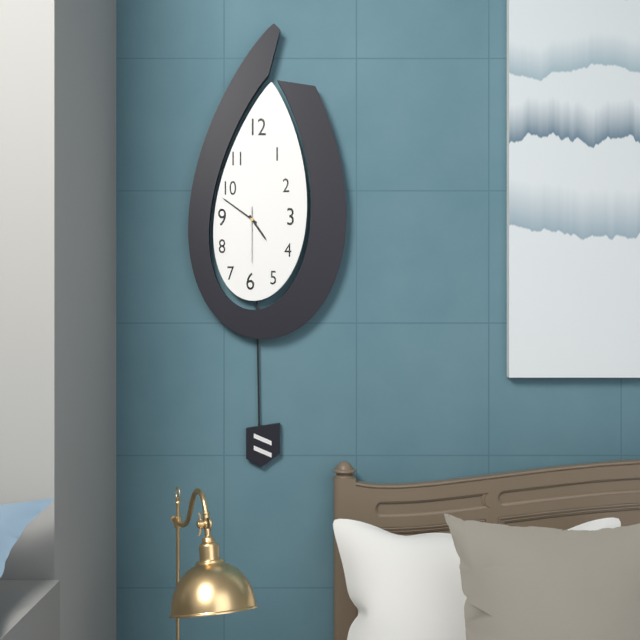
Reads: 4,51,30
